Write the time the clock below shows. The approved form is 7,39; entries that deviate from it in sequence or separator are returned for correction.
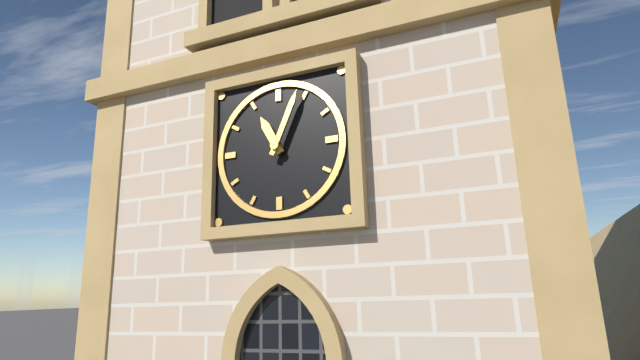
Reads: 11,04
